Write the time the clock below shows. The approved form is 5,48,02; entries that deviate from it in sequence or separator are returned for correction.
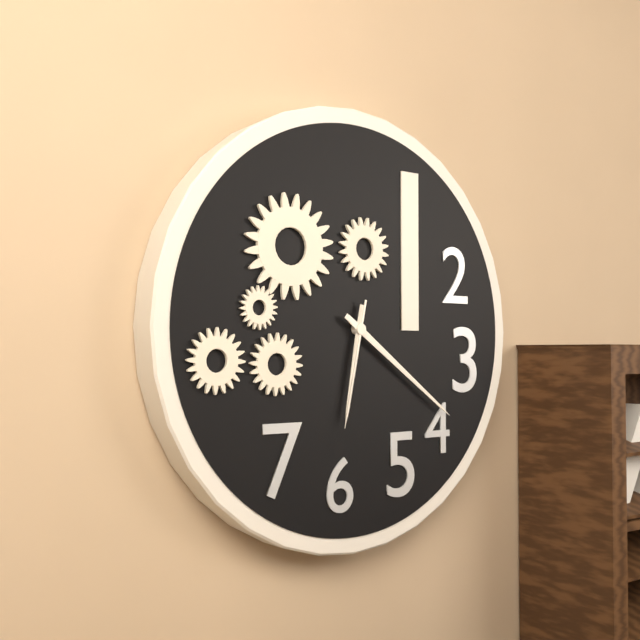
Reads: 6,21,32
